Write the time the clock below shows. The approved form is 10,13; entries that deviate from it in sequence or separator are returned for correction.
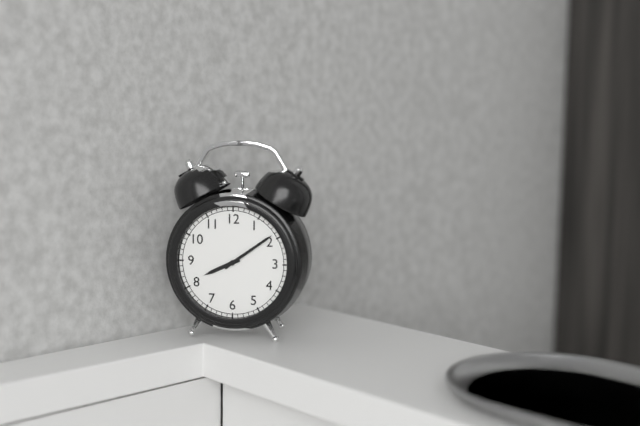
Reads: 8,09
